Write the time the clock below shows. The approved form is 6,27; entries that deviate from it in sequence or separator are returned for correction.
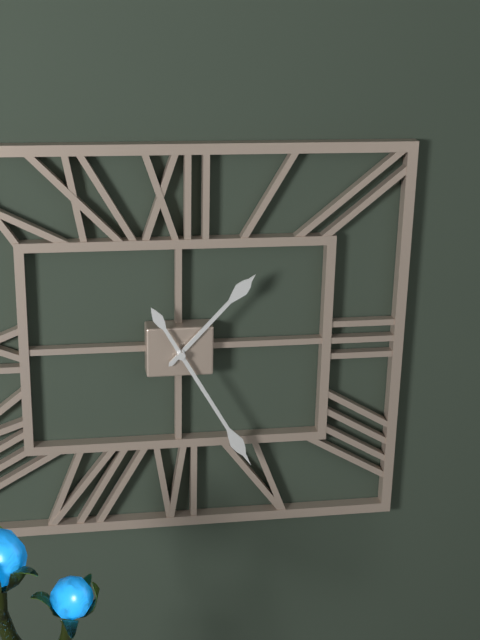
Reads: 1,25
